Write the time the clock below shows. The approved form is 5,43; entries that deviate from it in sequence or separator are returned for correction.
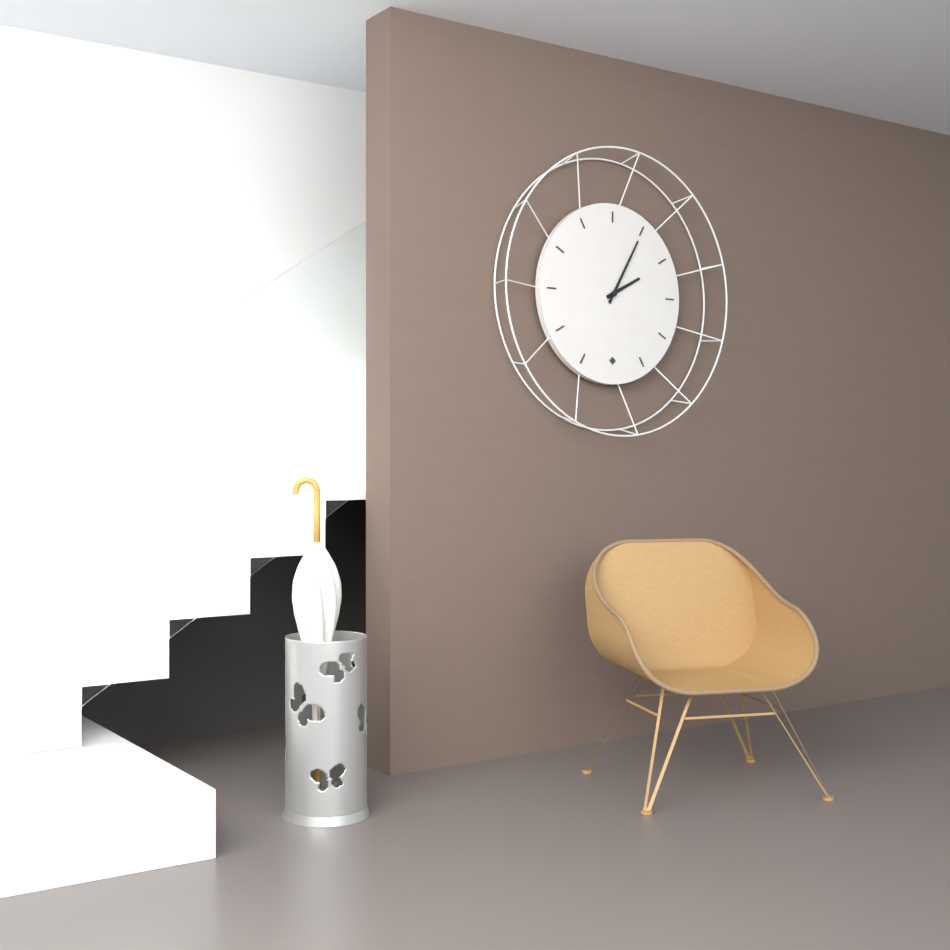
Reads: 2,05
